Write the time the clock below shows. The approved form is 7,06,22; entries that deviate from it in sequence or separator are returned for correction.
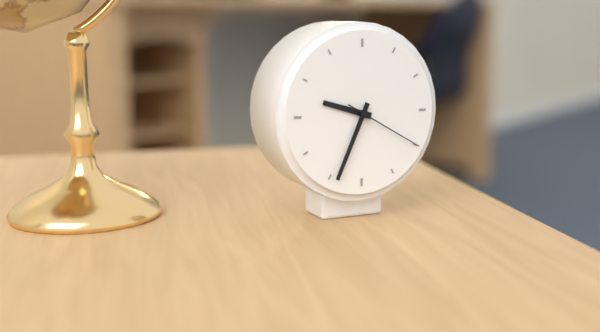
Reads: 9,34,20
